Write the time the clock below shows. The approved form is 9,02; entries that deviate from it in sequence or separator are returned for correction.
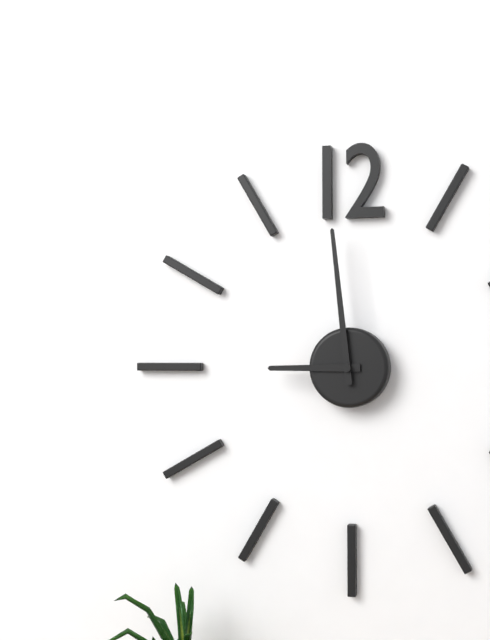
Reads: 8,59
